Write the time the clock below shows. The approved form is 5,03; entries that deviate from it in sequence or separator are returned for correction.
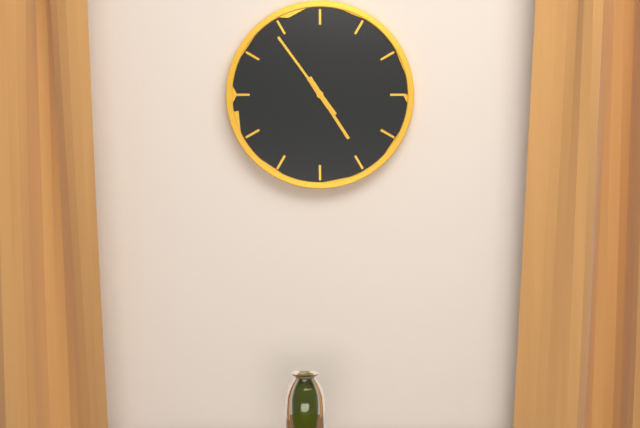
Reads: 4,54
